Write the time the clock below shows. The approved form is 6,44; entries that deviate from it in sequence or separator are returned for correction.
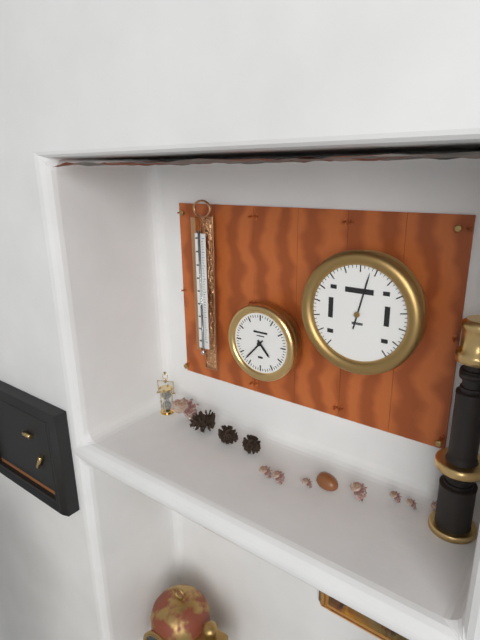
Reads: 4,37
